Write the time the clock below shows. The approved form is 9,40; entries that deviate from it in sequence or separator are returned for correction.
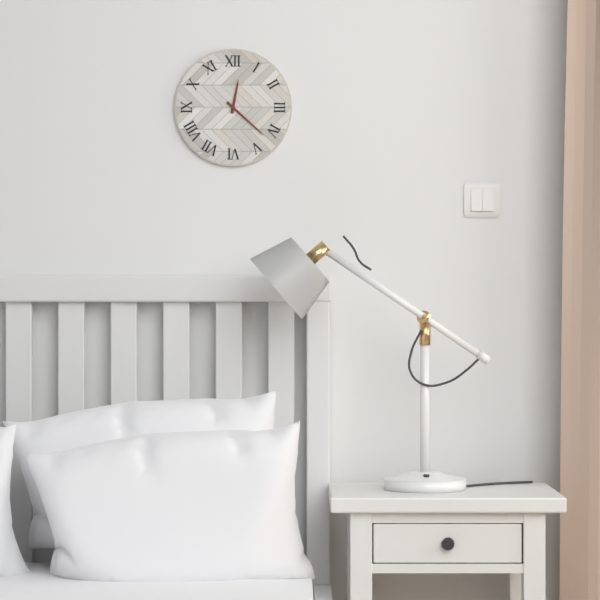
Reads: 12,22
